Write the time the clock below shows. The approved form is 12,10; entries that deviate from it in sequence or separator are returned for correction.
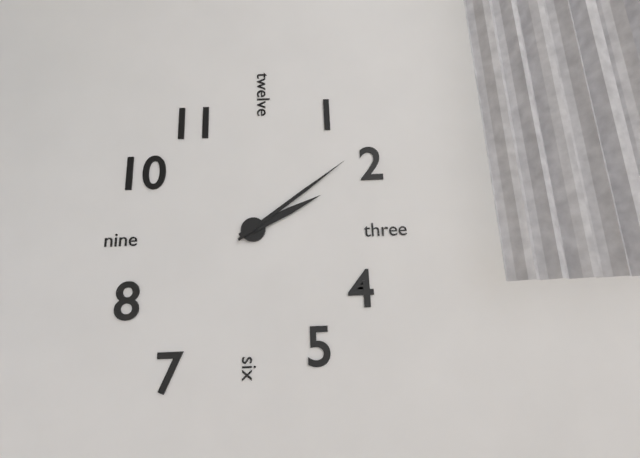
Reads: 2,09
